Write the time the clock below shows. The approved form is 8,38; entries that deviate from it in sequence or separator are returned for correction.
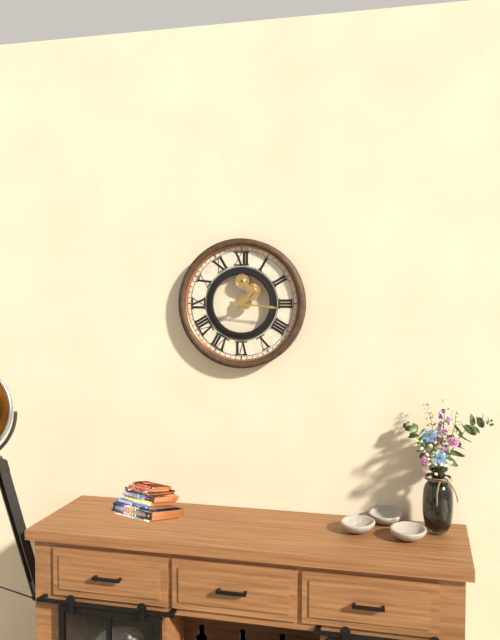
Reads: 2,16
